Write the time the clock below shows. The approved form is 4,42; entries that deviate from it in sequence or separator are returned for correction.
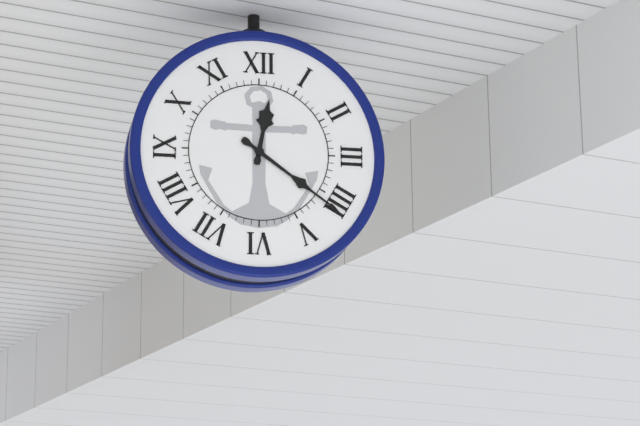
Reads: 12,21
